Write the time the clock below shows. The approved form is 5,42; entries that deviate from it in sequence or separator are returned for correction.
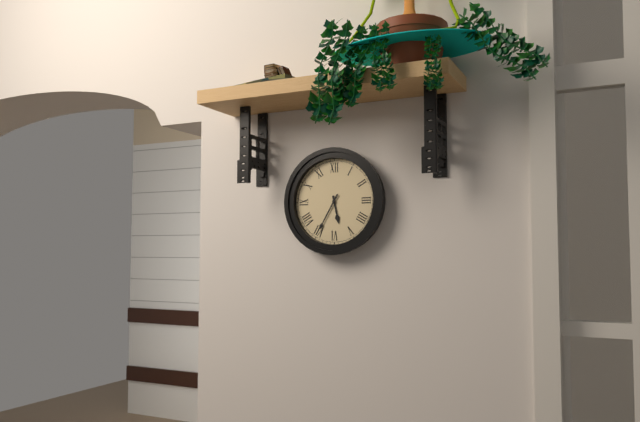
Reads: 5,35
